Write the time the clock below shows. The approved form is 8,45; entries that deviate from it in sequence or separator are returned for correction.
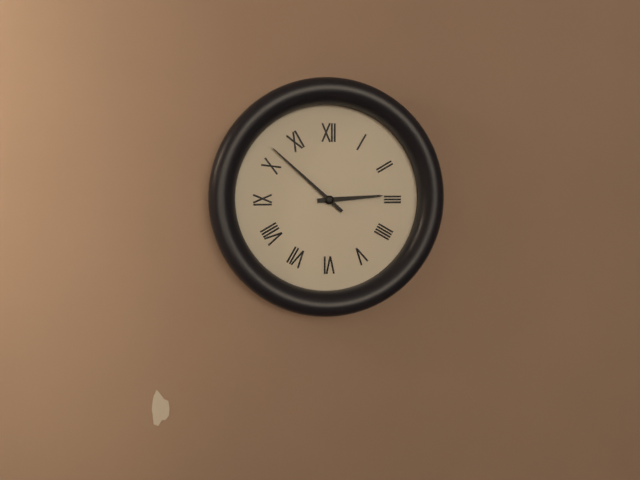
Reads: 2,52
